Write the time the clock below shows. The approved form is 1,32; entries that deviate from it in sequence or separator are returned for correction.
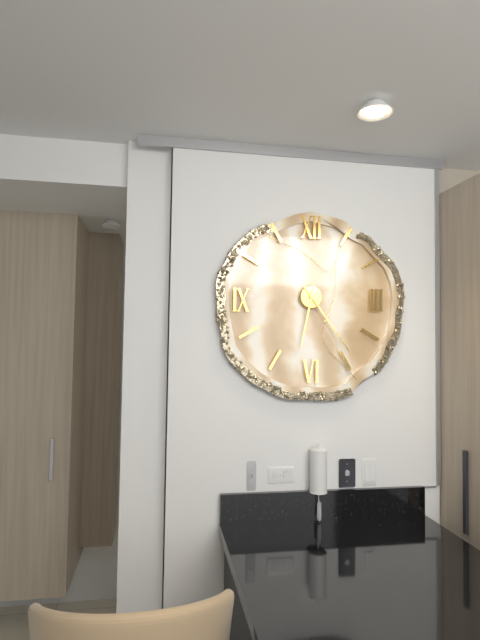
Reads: 6,24
